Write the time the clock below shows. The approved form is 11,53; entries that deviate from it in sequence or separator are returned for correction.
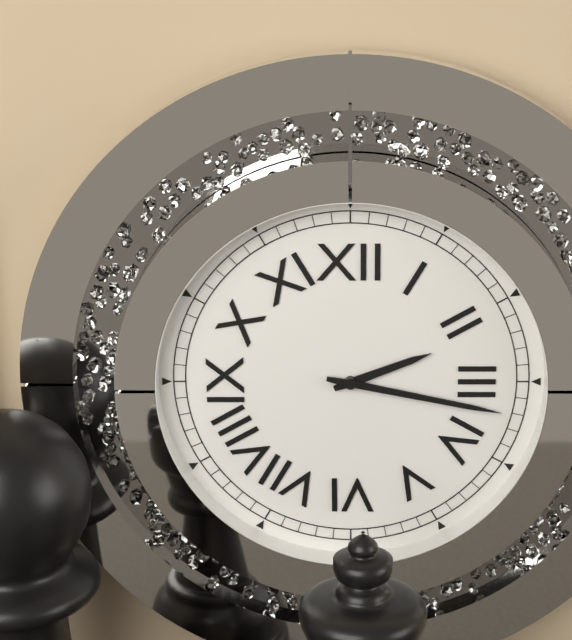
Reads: 2,17
